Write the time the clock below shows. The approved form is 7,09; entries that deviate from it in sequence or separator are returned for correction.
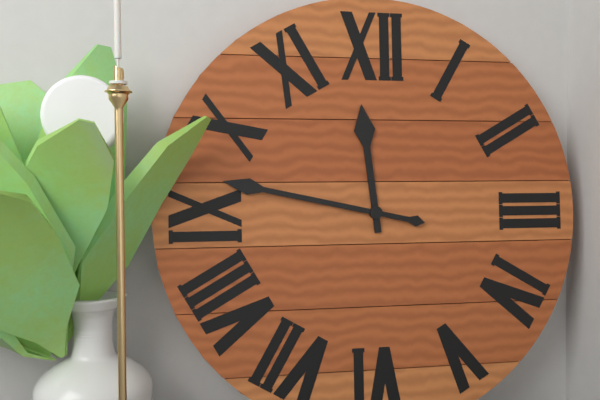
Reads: 11,47
